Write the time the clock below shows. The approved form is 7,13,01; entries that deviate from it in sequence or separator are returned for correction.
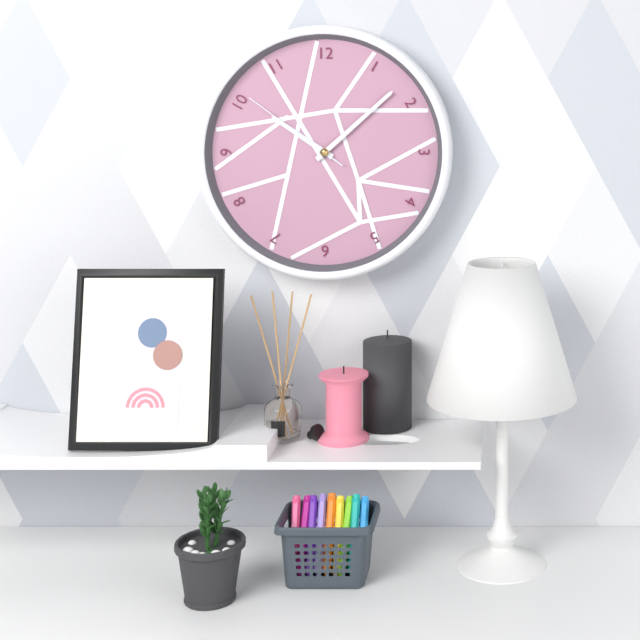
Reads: 10,08,51
